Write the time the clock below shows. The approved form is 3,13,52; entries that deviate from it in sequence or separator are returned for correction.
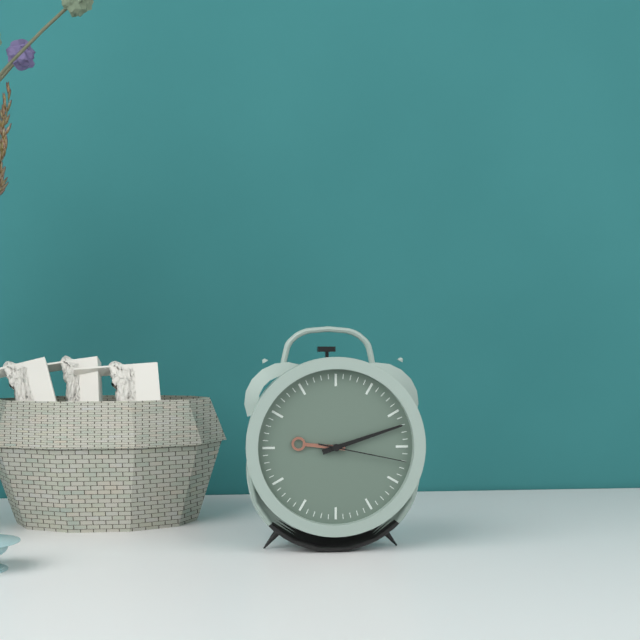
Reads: 9,12,17
